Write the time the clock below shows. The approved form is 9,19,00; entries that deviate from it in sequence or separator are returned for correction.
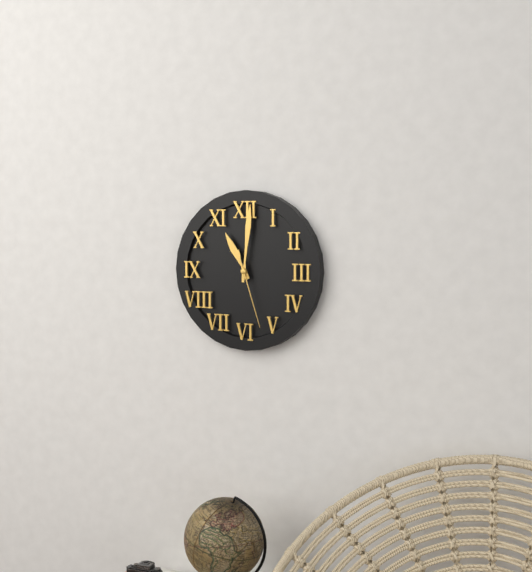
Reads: 11,01,27
